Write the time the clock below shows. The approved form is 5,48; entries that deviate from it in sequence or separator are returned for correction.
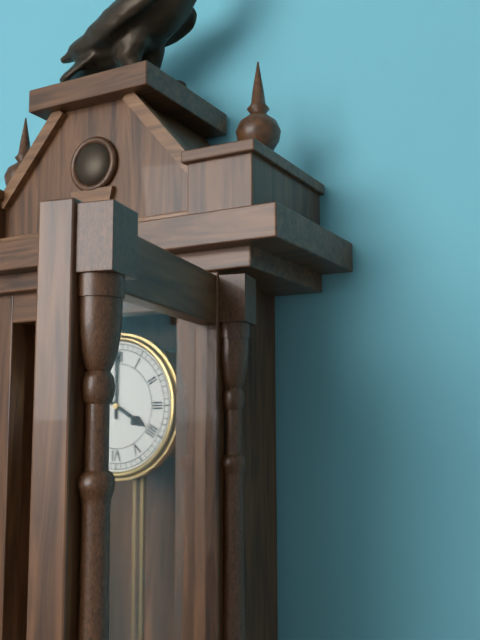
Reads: 4,00
